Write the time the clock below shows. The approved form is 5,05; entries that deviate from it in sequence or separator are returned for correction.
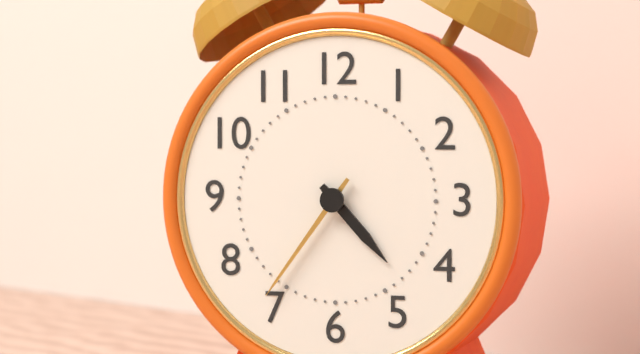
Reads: 4,36
